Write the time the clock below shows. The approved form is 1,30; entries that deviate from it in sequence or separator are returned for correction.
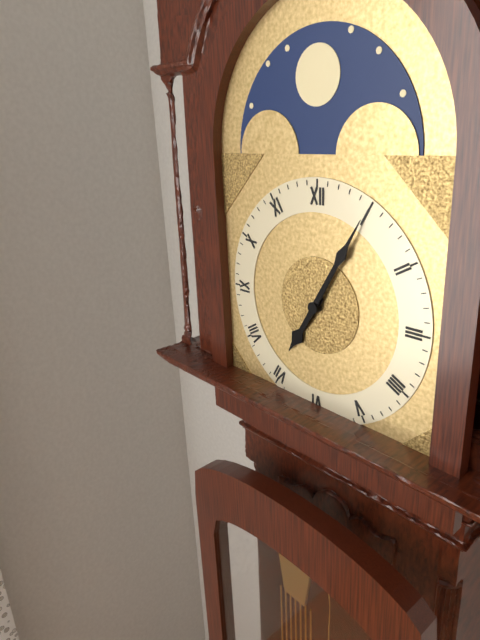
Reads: 7,05
